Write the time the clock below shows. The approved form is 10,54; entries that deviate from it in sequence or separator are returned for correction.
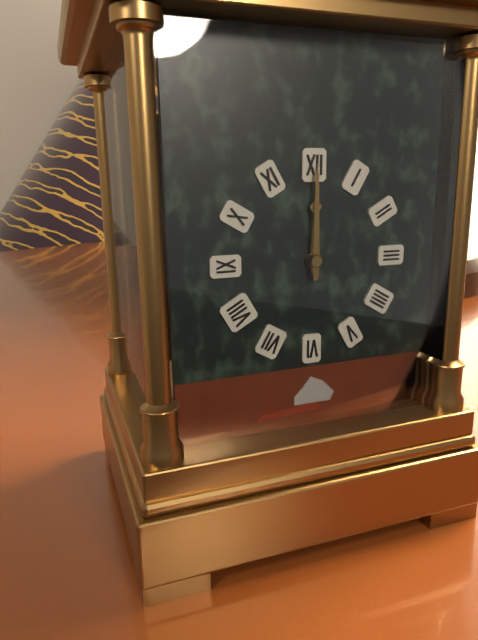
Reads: 12,00
